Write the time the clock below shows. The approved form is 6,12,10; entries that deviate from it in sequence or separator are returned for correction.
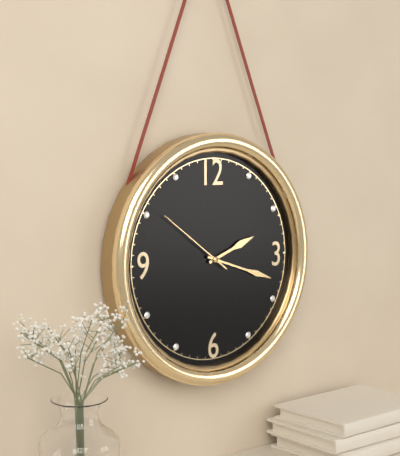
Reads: 2,18,51
